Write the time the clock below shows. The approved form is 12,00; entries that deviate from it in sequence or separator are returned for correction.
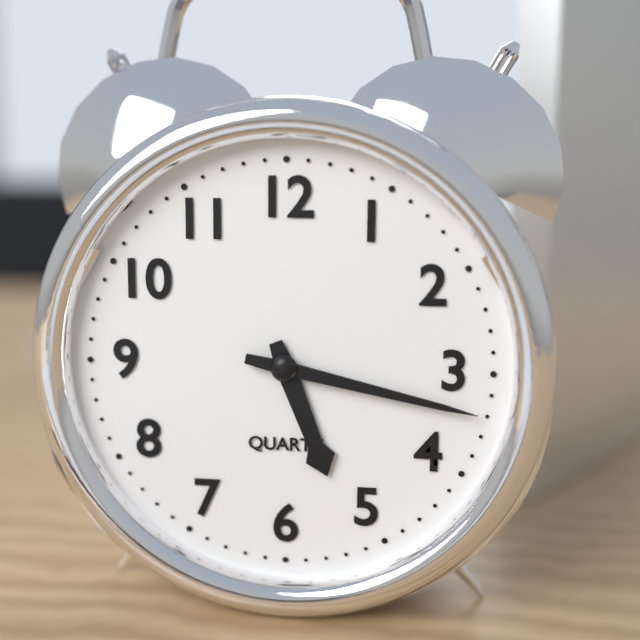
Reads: 5,17
